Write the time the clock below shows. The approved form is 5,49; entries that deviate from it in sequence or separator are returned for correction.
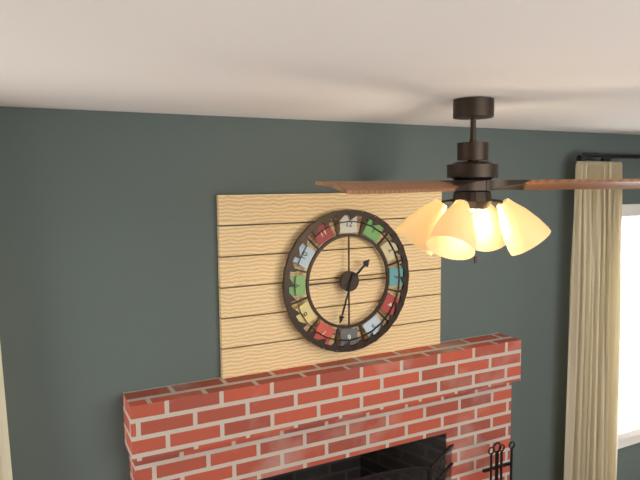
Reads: 1,33
